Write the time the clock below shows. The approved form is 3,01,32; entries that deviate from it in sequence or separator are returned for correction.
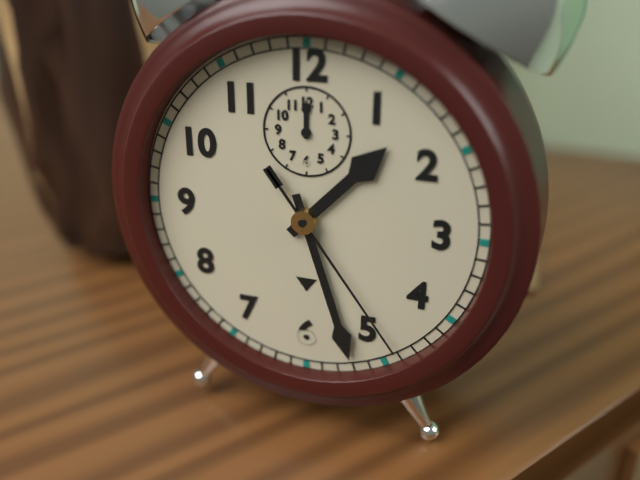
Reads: 1,27,24
